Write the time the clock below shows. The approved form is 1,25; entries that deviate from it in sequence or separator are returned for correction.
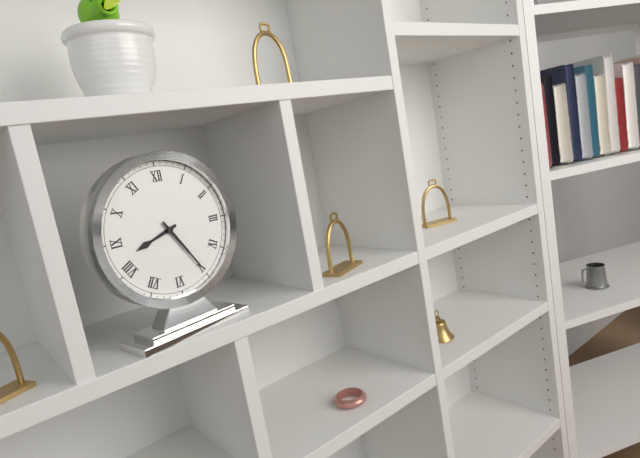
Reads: 8,25
